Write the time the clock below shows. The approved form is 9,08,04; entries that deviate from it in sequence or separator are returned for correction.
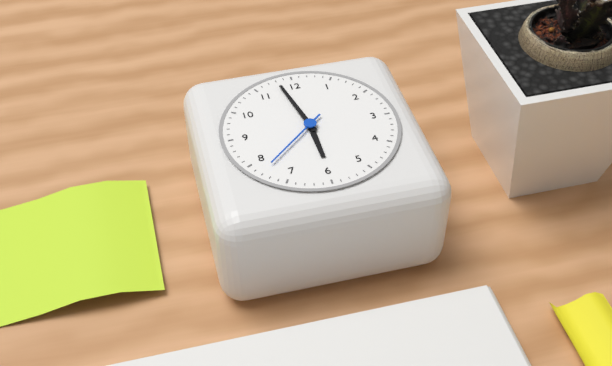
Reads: 5,58,38
